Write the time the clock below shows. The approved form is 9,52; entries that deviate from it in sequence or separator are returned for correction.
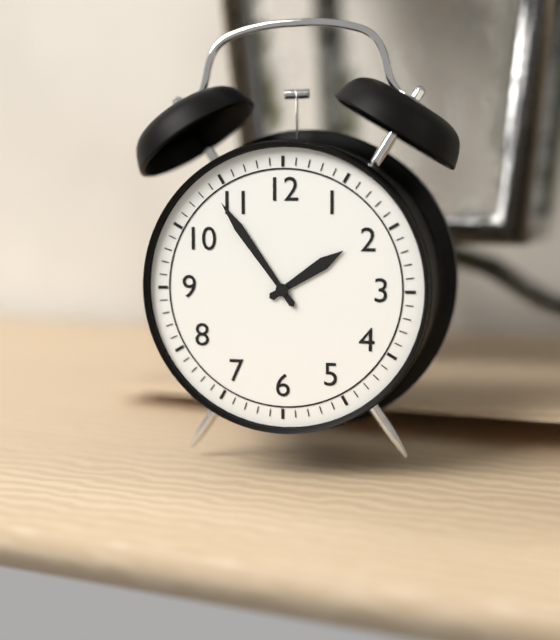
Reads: 1,54
